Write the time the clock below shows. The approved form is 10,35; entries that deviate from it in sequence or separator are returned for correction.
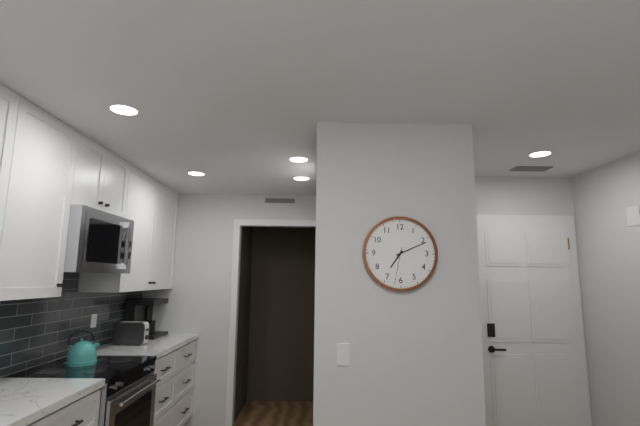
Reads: 7,11
